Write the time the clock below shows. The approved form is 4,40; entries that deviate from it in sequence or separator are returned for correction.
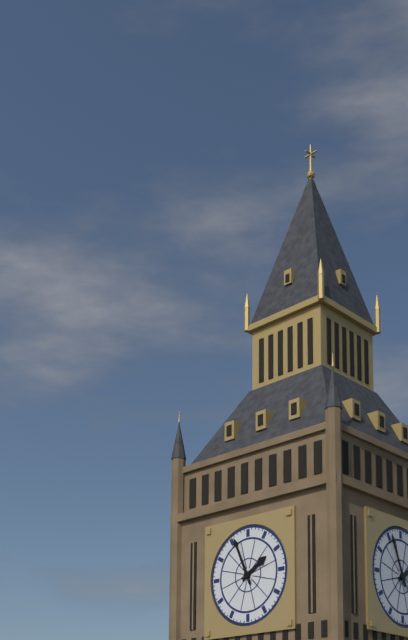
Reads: 1,56
